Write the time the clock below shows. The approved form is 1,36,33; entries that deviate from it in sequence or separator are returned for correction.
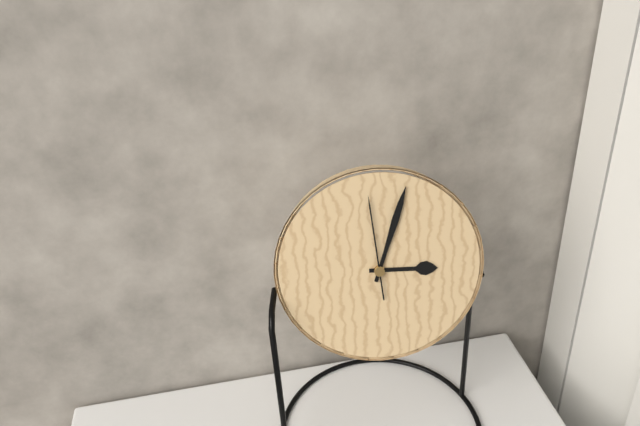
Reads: 3,03,59
